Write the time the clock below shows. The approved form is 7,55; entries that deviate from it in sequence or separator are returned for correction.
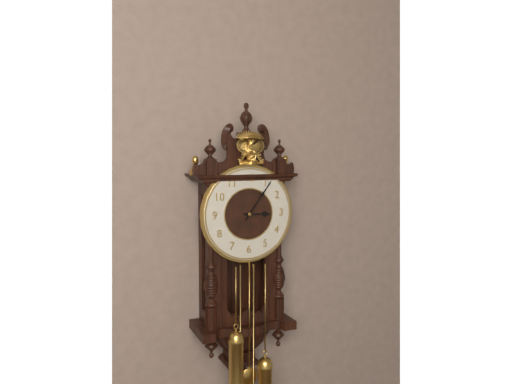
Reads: 3,06
